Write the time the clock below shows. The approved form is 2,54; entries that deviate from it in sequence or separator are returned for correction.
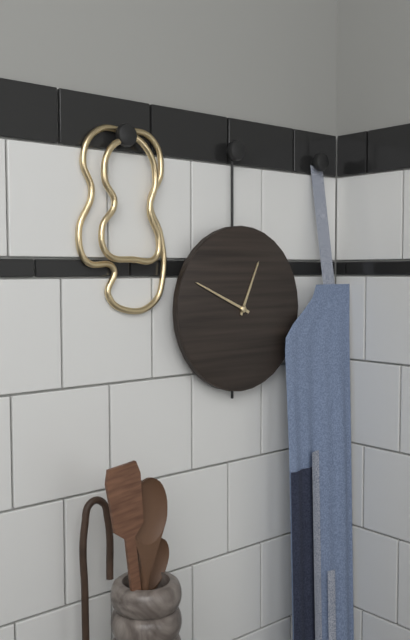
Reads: 12,49
